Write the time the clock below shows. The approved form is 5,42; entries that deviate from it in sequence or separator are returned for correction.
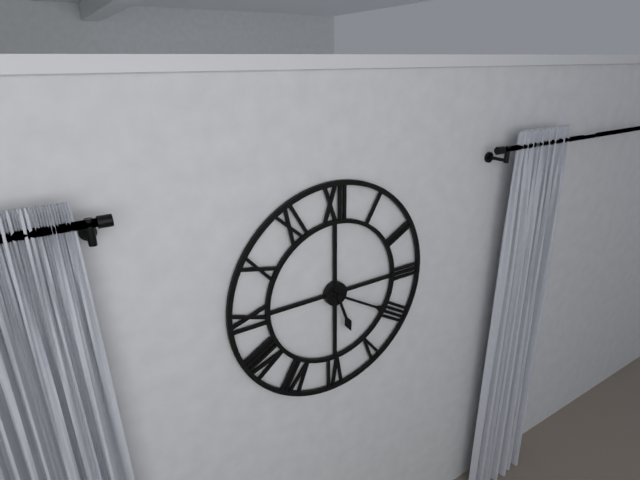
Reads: 5,20
